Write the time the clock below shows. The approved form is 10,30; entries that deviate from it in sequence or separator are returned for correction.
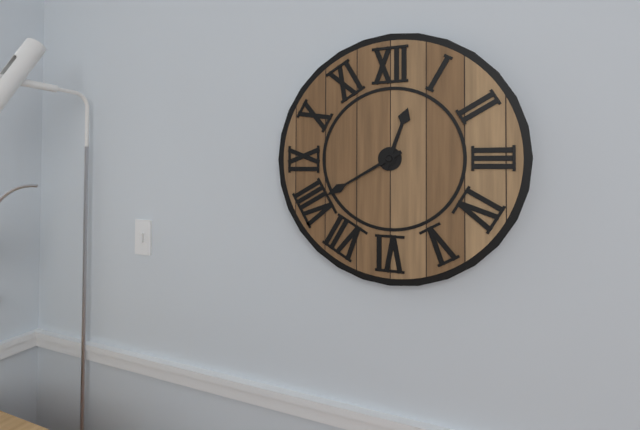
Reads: 12,40
